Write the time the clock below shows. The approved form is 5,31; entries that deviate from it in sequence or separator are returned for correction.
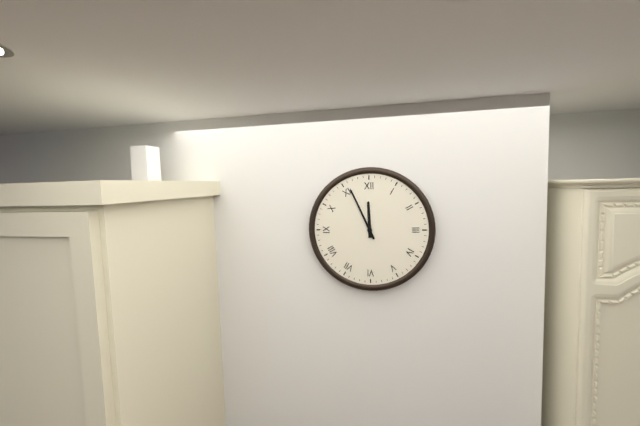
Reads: 11,56
